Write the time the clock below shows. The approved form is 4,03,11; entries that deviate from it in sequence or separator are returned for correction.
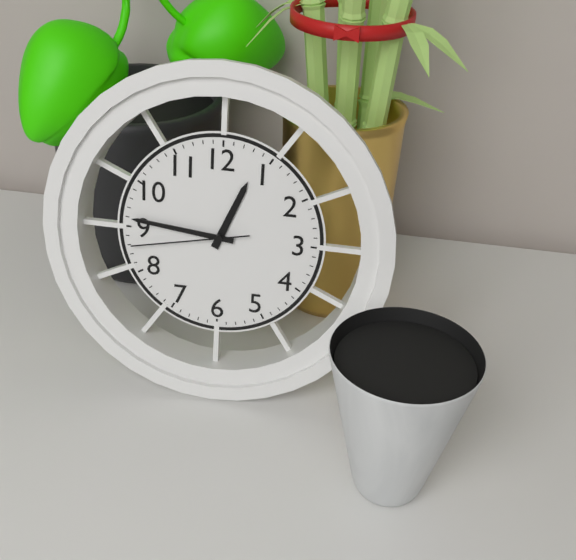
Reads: 12,46,43
